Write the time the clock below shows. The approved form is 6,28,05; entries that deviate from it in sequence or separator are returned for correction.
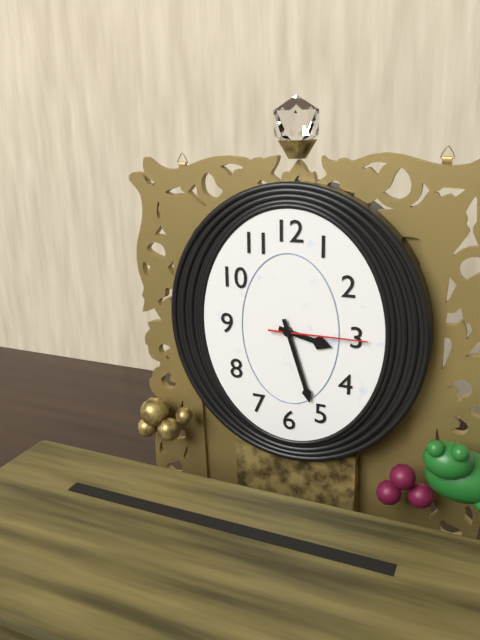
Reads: 3,27,15
